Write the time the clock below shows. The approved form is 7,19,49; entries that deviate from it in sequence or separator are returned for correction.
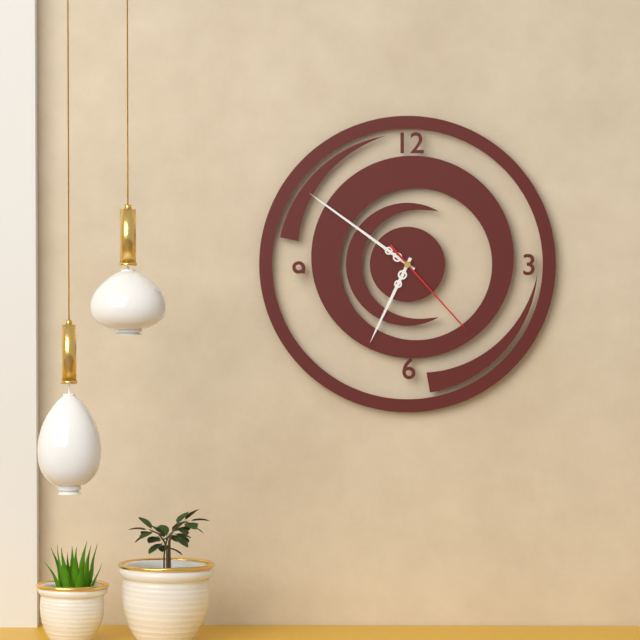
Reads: 6,51,23
